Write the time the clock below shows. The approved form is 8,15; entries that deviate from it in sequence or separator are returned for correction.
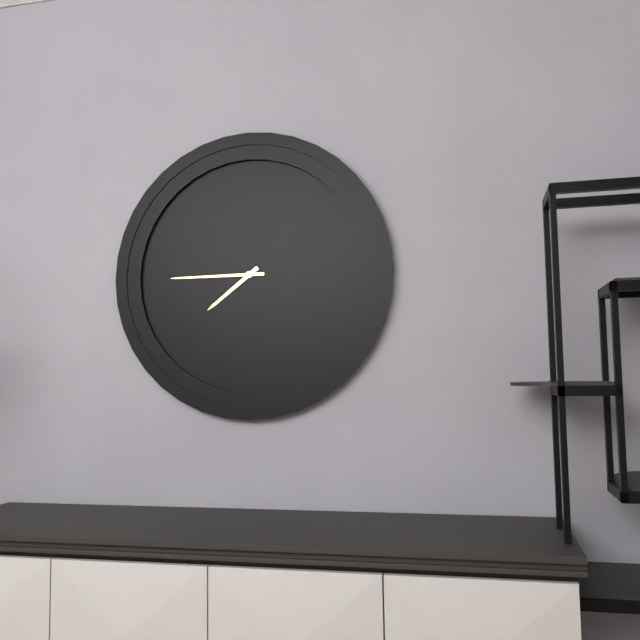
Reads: 7,45
